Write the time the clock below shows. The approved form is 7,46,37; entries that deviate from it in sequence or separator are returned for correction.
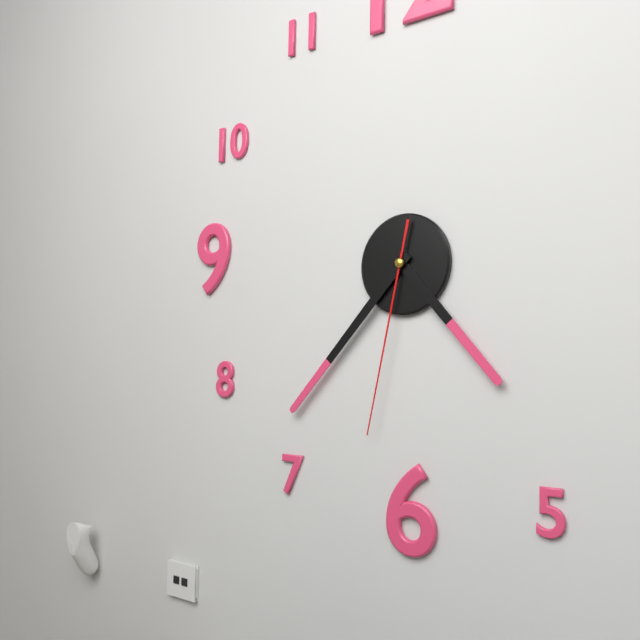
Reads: 4,37,32
